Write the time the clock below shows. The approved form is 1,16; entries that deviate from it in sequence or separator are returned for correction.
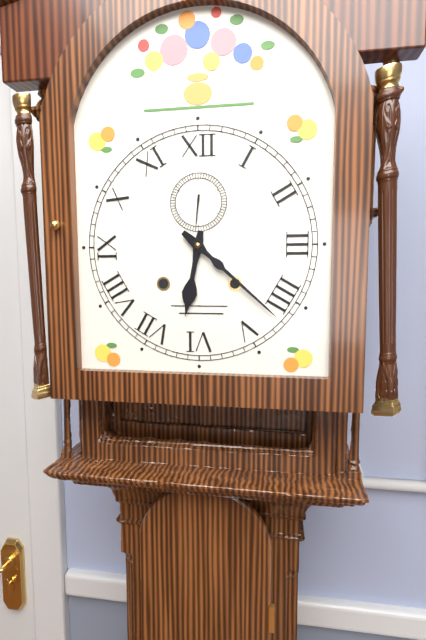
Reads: 6,22
